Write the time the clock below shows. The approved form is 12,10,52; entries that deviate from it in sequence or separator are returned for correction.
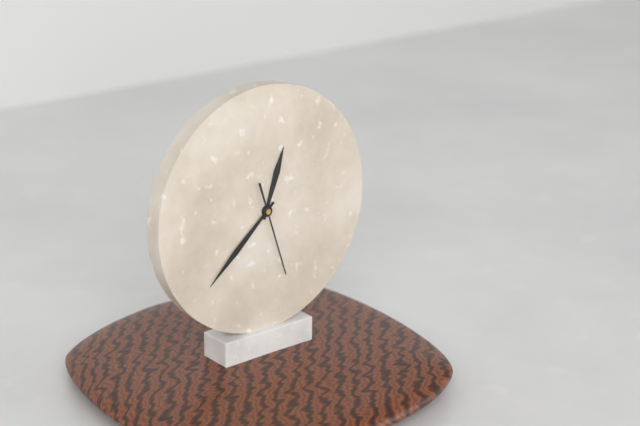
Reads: 12,38,27
